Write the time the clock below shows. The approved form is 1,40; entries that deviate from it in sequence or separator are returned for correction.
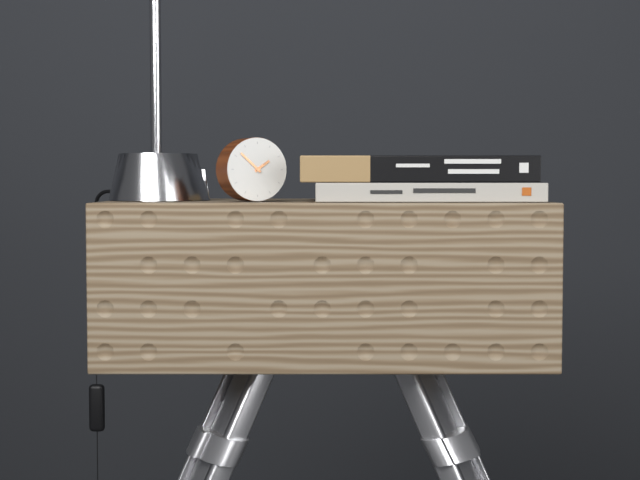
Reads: 1,52
